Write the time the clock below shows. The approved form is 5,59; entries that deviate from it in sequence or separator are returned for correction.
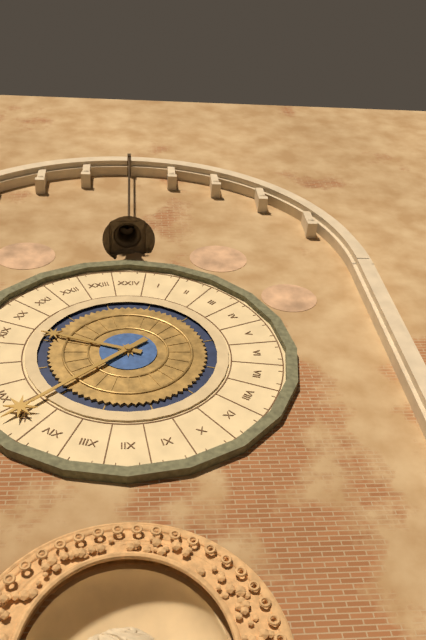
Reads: 9,38
